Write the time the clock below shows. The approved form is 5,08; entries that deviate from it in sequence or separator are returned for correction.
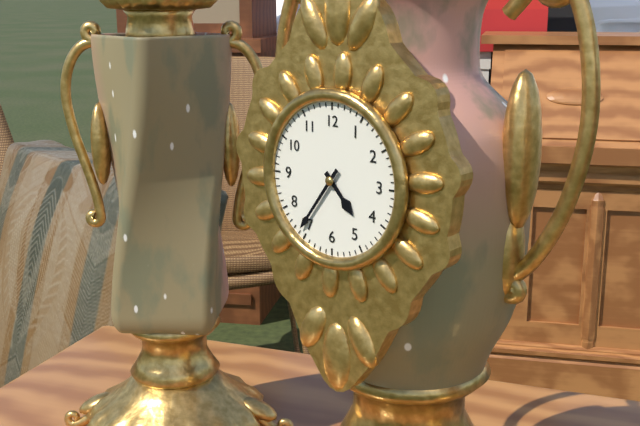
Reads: 4,36
